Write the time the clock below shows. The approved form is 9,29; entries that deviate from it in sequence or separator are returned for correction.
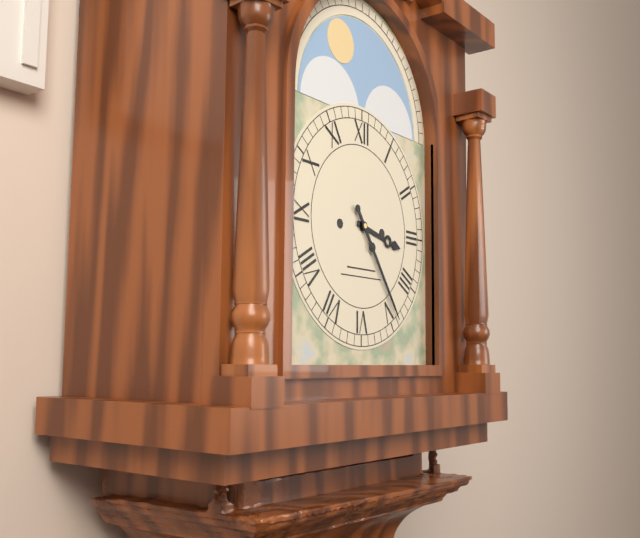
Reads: 3,24
